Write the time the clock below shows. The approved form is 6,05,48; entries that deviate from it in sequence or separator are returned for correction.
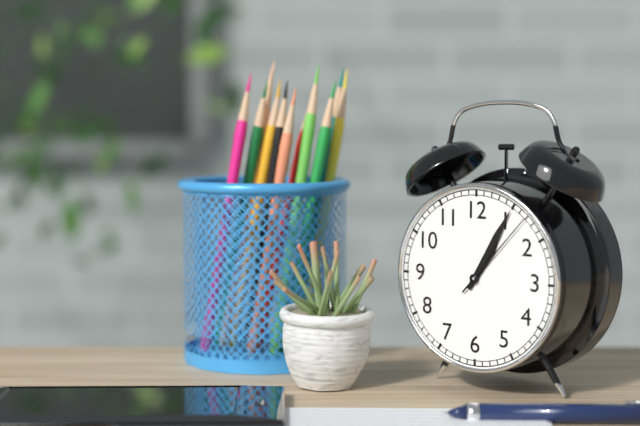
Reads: 1,05,07
